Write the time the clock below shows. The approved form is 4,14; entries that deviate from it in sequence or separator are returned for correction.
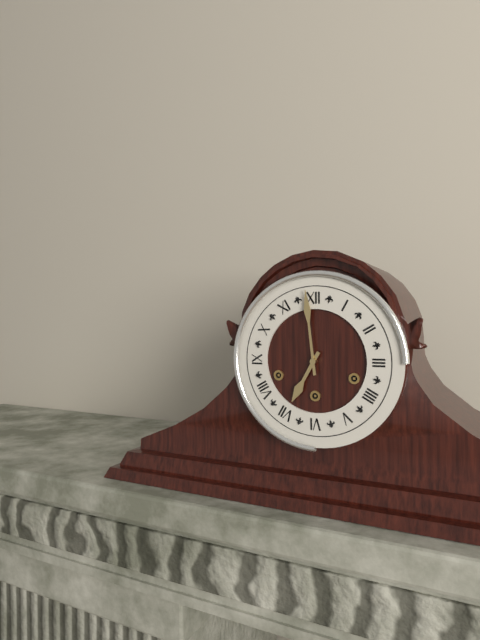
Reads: 6,59
